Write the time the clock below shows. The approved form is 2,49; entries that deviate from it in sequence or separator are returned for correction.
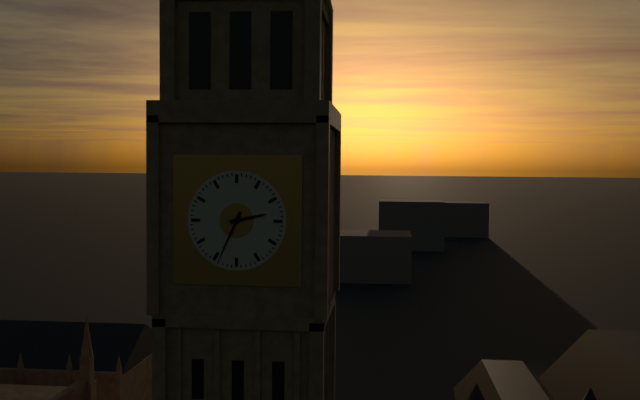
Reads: 2,34
